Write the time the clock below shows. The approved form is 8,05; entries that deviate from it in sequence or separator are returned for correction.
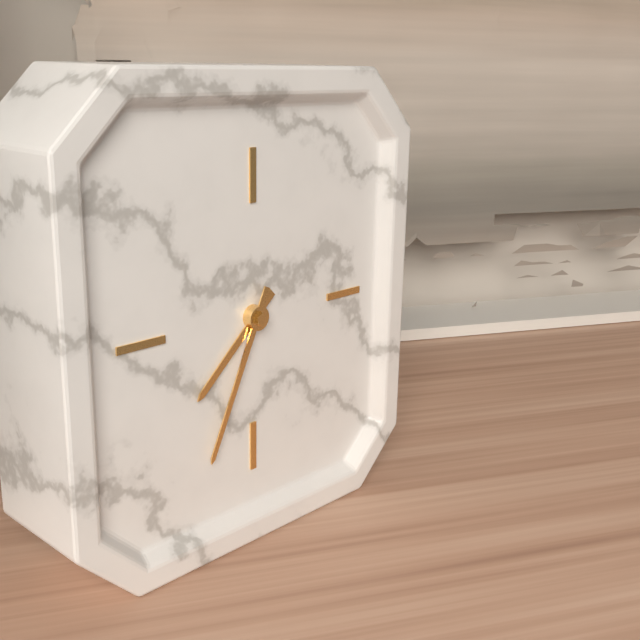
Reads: 7,34
